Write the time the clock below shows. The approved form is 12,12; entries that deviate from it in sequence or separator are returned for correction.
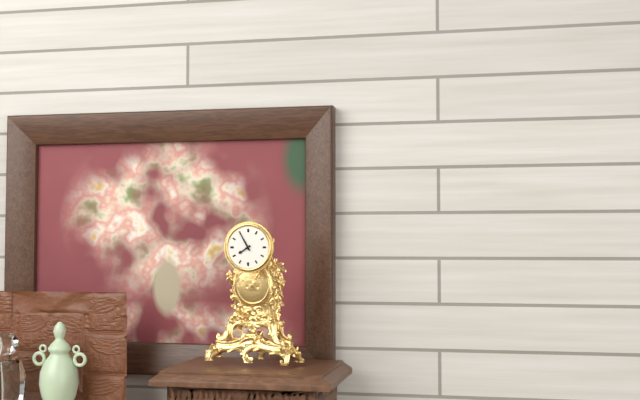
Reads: 7,55
